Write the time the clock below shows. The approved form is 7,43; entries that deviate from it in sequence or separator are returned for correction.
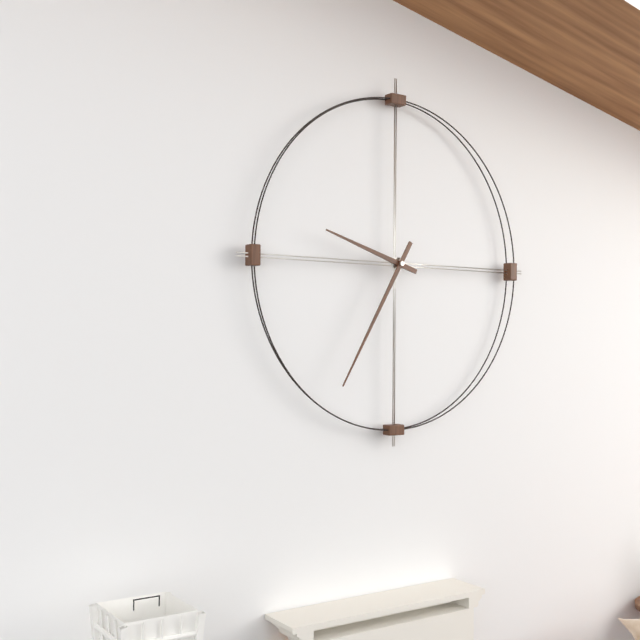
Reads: 9,35
